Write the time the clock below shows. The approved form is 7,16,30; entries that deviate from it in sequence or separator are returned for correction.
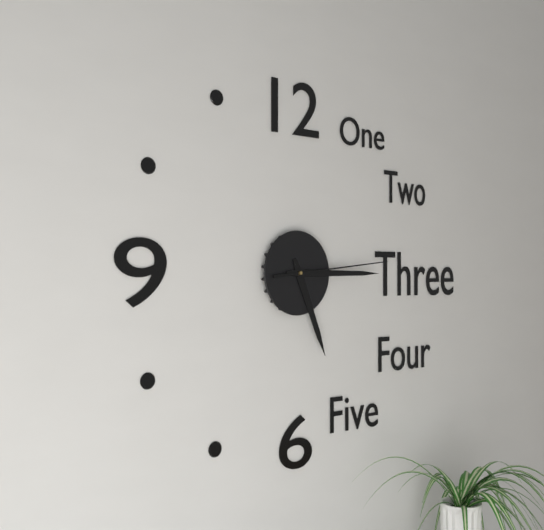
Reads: 5,15,14
